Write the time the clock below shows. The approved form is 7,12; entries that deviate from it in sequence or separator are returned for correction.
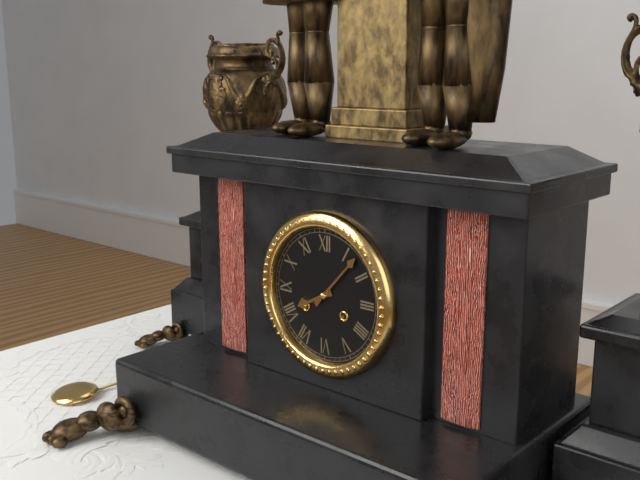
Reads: 8,07
